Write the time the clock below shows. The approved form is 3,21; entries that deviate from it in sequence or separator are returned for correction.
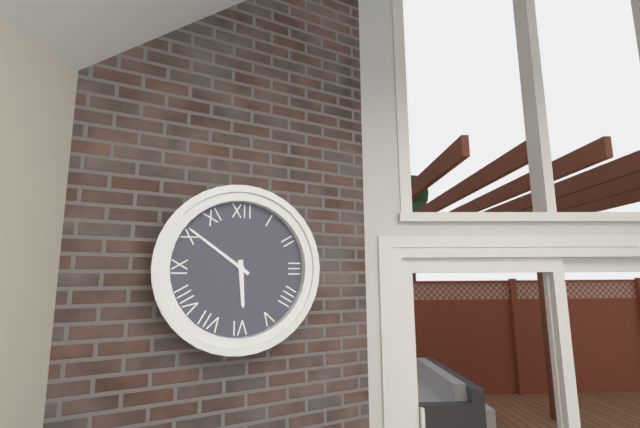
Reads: 5,51
